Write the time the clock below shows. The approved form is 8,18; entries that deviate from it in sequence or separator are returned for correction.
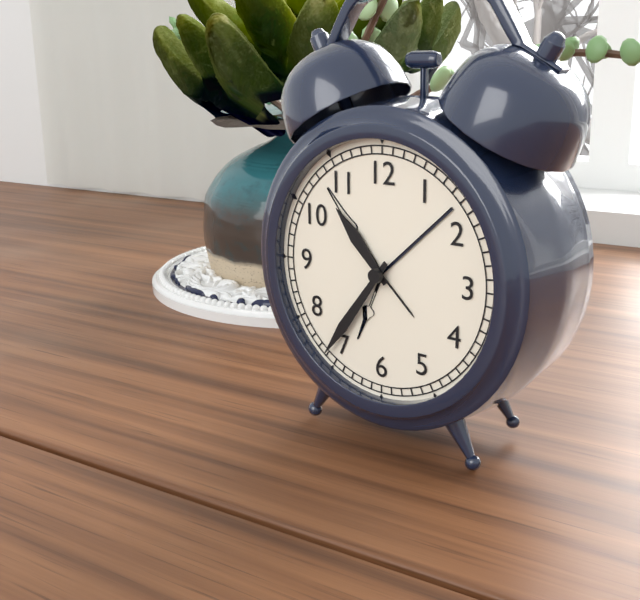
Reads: 10,36
